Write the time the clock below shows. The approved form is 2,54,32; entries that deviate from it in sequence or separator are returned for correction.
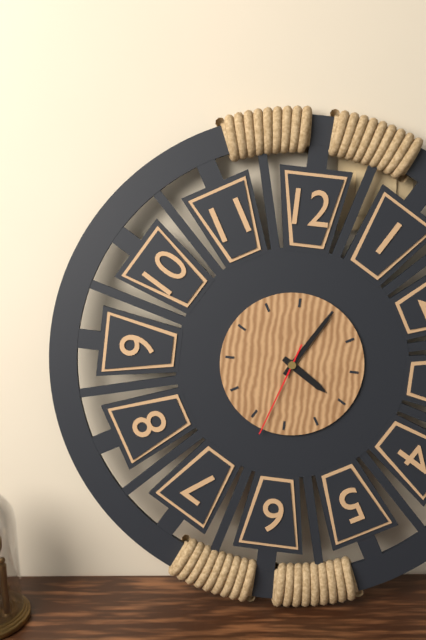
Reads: 4,05,33
